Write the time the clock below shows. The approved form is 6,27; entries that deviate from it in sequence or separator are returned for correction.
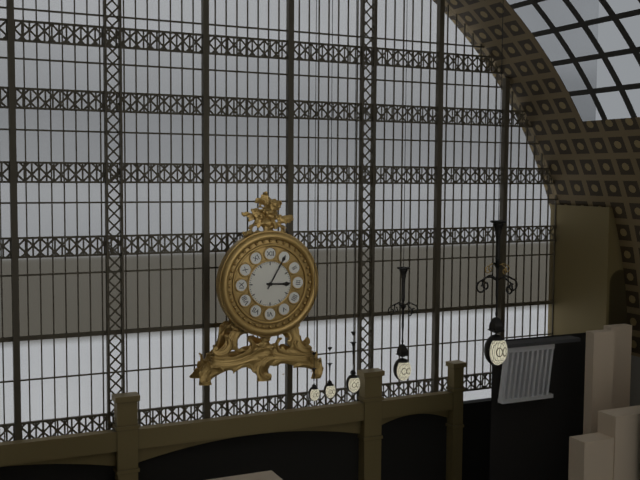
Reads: 3,05
